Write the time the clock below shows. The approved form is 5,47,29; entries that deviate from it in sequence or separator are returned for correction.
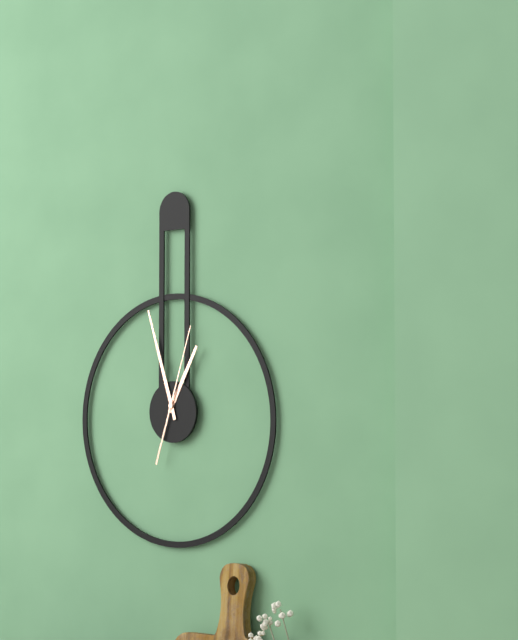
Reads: 12,57,03
